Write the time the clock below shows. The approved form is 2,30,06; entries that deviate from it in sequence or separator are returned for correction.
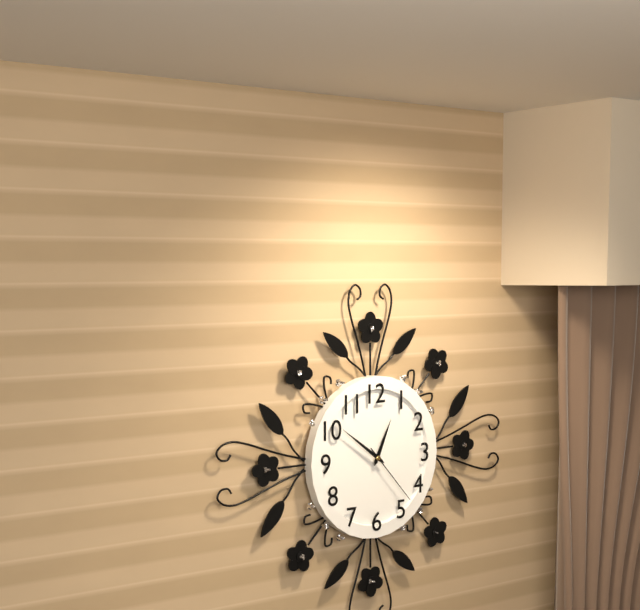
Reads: 12,51,23
